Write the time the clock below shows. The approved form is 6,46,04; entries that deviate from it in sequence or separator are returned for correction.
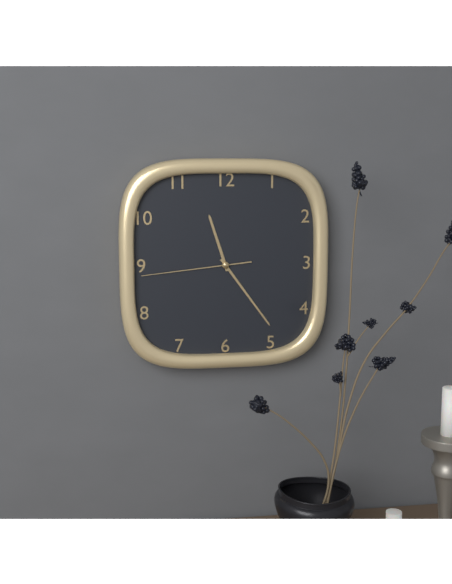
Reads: 11,24,44
